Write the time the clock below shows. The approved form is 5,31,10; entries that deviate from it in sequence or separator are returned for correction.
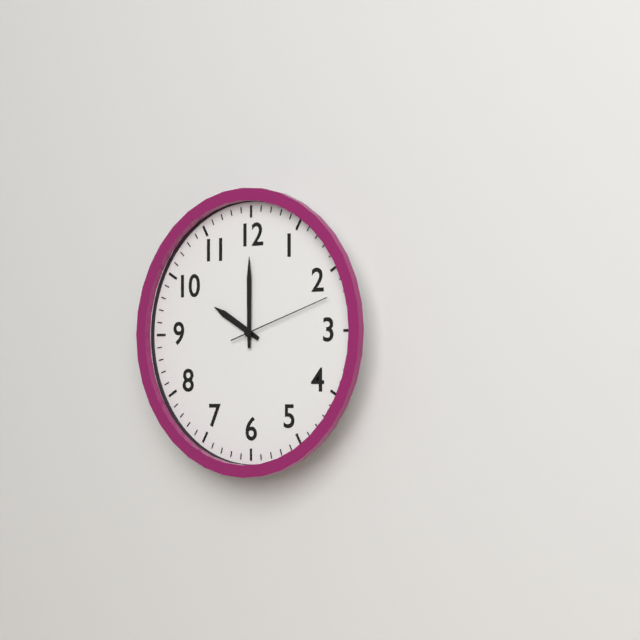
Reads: 10,00,12
